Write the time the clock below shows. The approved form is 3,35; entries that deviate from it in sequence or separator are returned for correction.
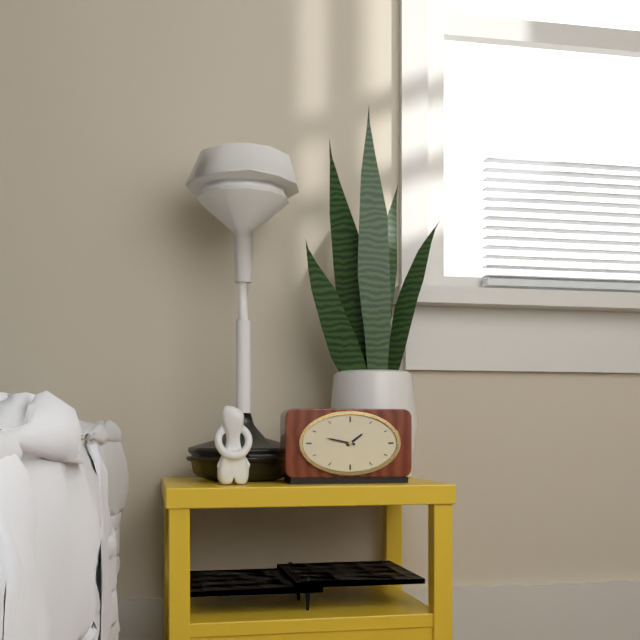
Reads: 1,47
